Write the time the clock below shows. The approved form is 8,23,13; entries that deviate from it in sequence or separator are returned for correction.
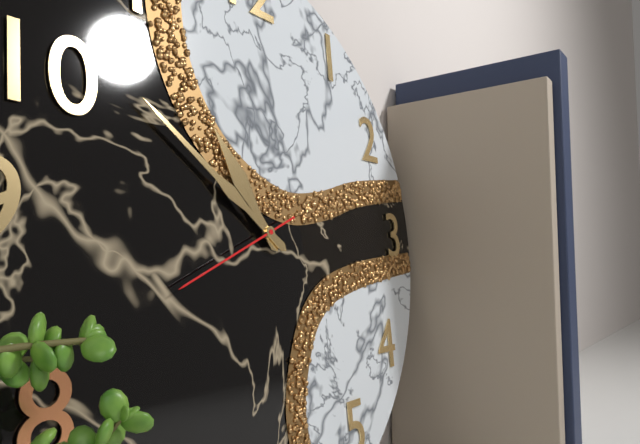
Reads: 10,51,41
